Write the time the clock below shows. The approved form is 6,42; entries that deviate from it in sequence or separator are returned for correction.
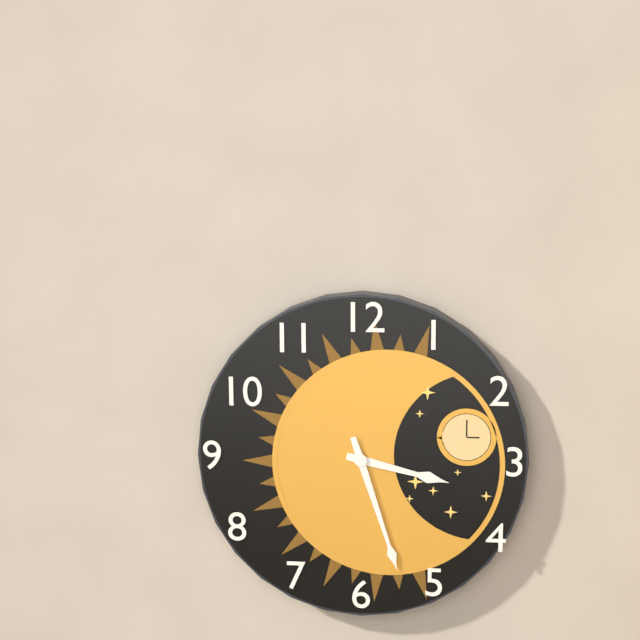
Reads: 3,27
